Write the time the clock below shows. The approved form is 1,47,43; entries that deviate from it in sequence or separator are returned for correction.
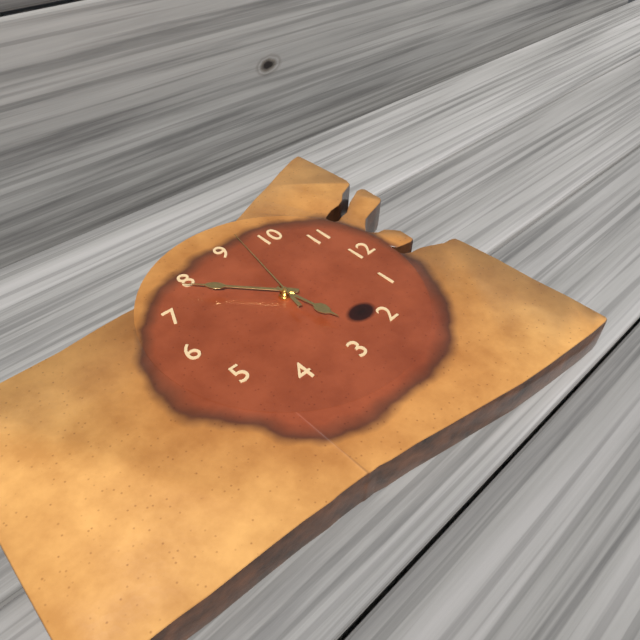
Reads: 2,38,47
